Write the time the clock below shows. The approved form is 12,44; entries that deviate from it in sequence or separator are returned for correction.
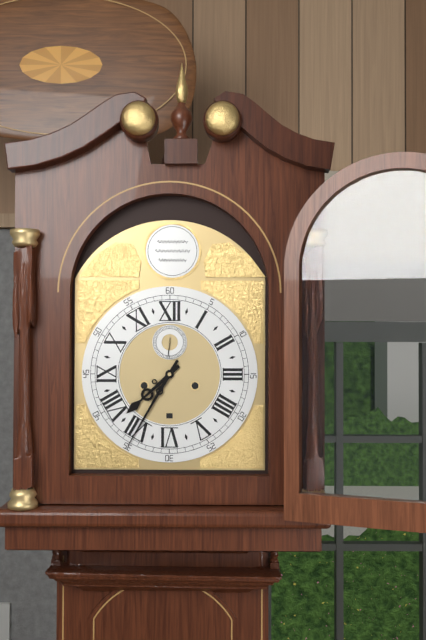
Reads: 7,35
